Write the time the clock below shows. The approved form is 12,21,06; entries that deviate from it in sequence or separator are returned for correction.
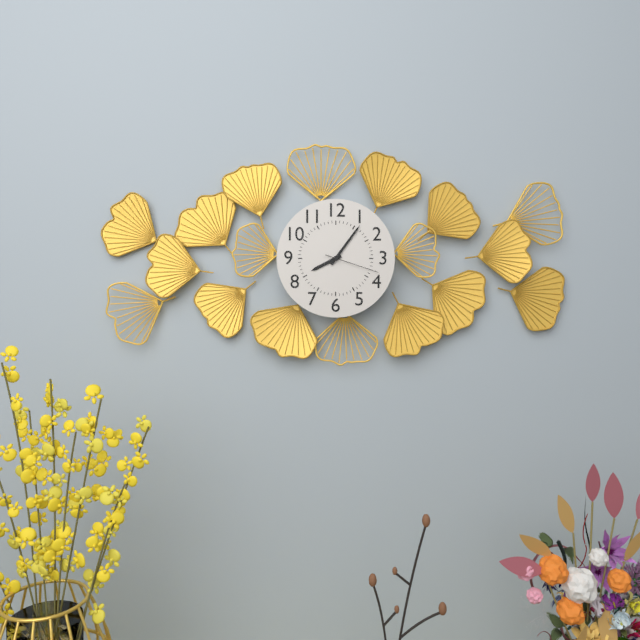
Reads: 8,06,18
